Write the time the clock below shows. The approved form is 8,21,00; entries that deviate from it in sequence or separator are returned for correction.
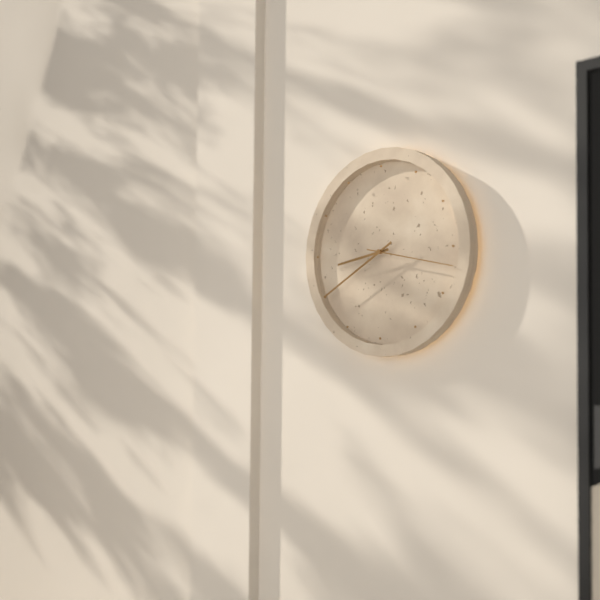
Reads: 8,40,17
